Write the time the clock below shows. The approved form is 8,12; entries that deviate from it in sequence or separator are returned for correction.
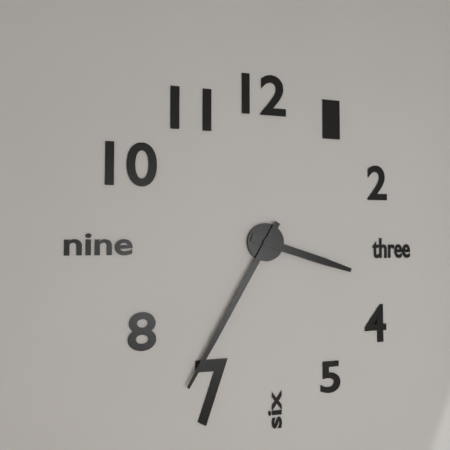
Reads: 3,35
